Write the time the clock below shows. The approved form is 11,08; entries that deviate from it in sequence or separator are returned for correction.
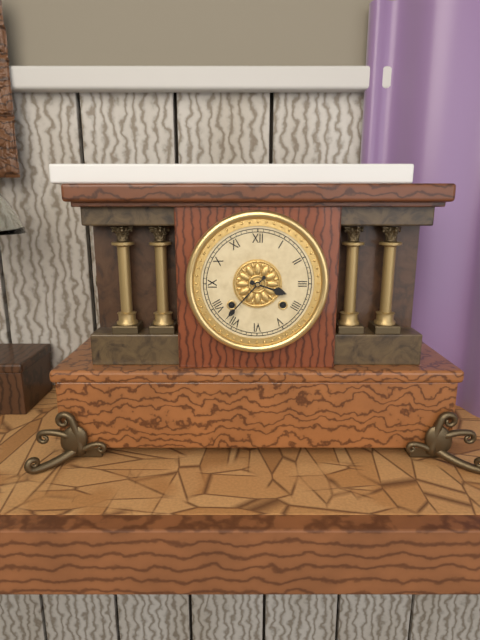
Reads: 3,37
